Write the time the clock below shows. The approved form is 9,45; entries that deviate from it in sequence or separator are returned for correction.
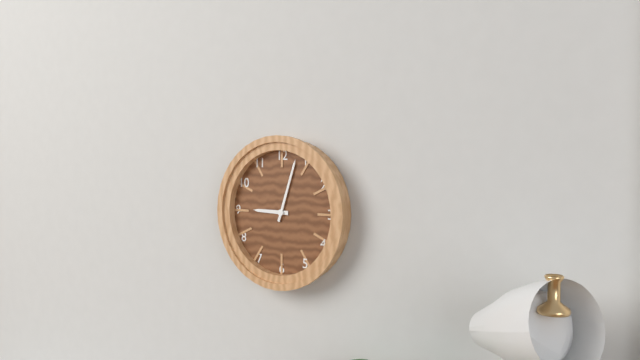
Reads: 9,03
